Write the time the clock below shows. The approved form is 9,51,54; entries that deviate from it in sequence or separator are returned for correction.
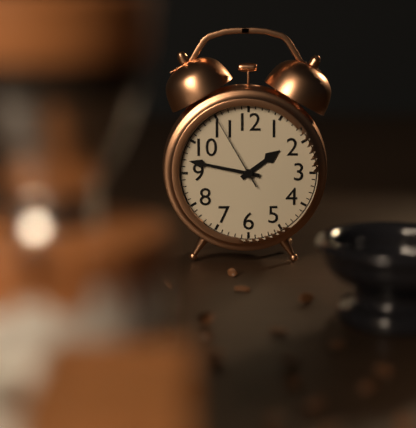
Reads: 1,47,55
